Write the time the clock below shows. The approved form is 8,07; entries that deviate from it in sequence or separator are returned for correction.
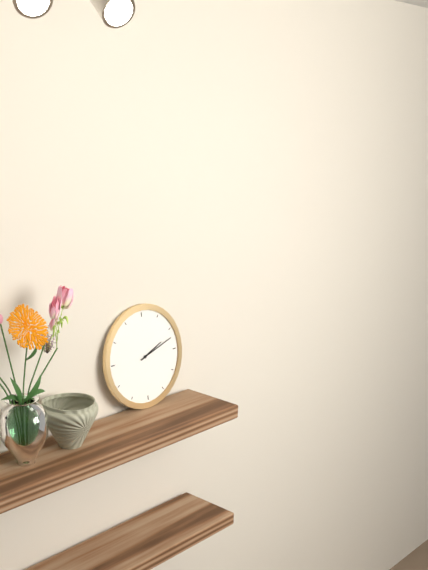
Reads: 2,12
